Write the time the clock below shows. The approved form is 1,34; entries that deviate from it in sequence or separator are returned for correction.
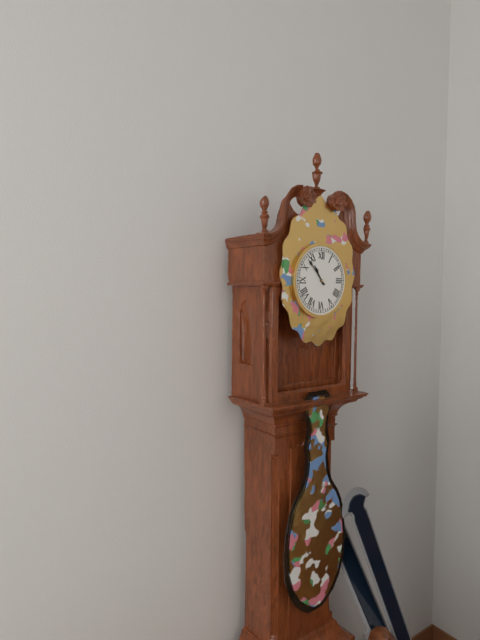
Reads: 10,53
